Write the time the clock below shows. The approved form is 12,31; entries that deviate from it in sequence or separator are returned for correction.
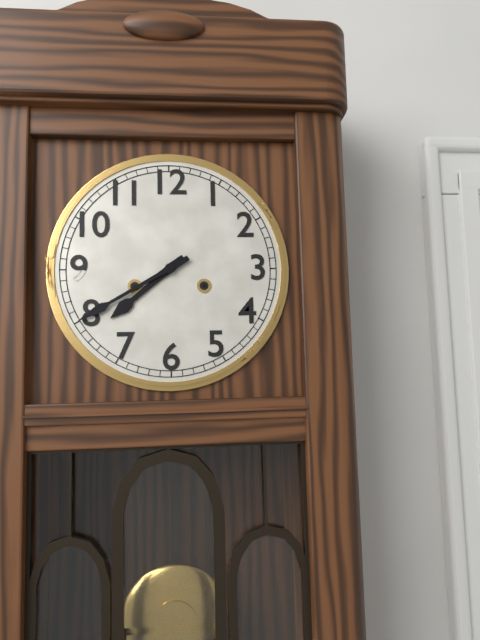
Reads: 7,40
